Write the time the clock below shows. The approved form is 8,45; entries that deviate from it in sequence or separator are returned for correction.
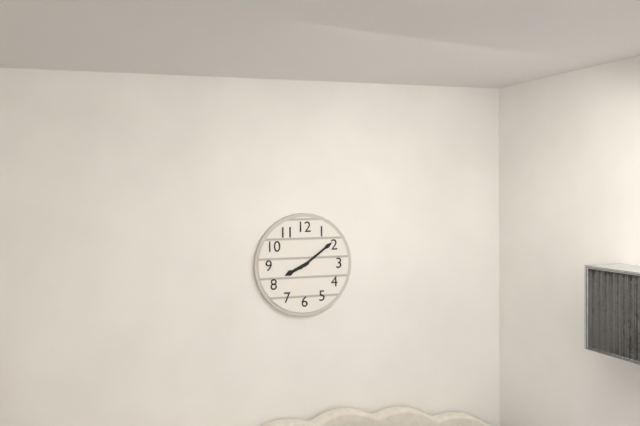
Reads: 8,09
